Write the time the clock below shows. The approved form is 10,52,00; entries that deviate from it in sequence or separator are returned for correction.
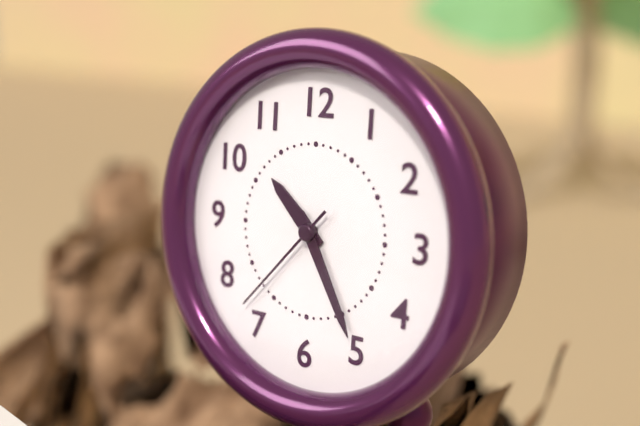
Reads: 10,25,37
